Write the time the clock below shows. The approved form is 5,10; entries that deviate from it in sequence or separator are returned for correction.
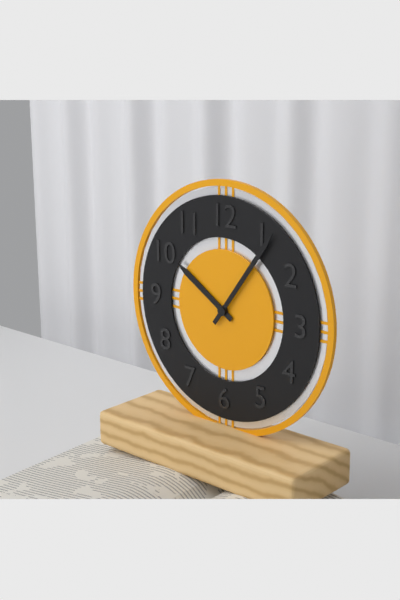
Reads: 10,06
